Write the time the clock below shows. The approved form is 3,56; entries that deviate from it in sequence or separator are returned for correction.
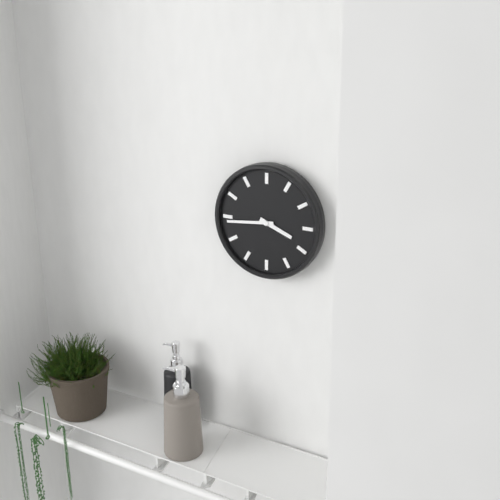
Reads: 3,44
